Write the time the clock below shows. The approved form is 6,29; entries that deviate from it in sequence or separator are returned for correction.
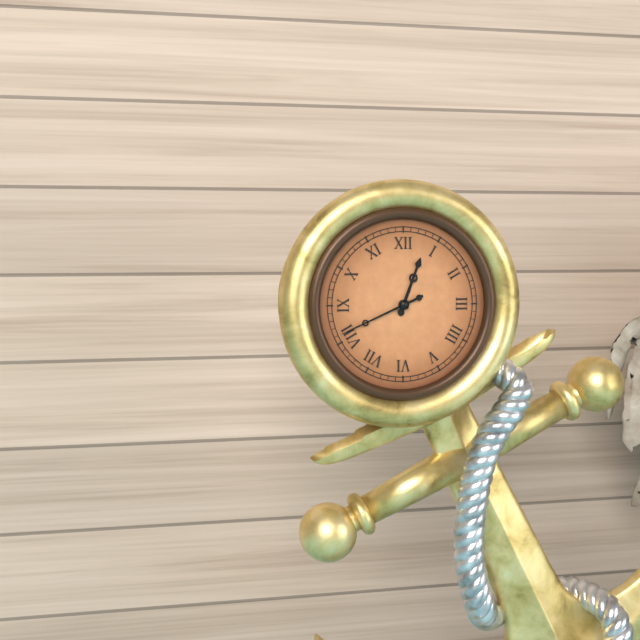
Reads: 12,41
